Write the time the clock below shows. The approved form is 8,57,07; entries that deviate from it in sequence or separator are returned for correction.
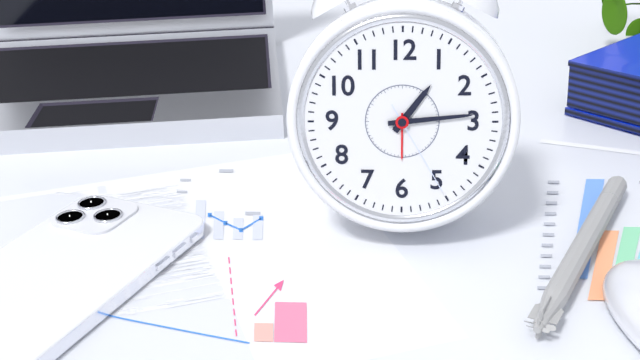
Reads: 1,14,25
